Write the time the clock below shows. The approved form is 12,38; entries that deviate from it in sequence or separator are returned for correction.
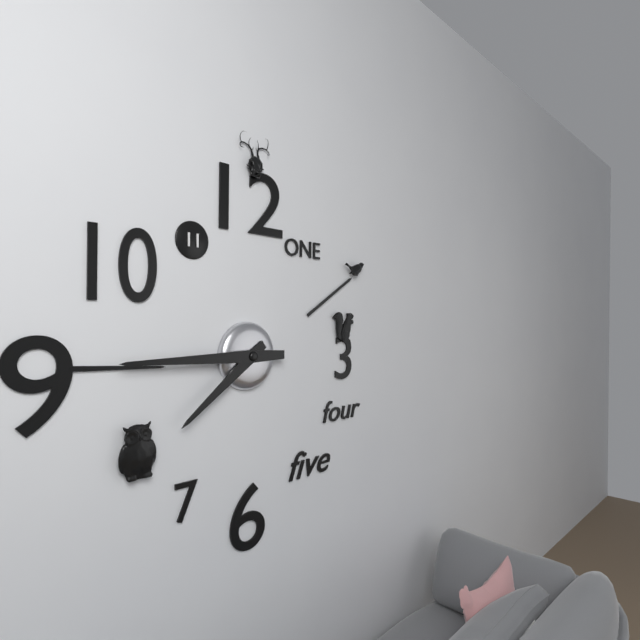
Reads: 7,45
